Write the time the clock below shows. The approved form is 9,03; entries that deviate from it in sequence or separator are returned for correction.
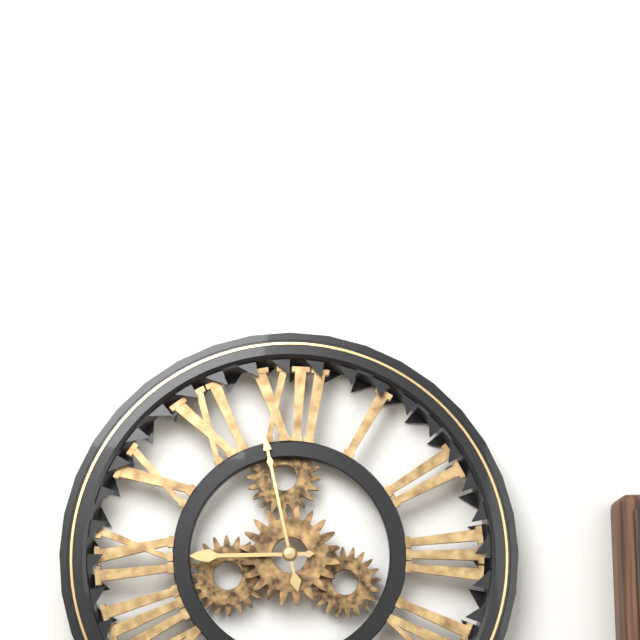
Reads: 8,58
